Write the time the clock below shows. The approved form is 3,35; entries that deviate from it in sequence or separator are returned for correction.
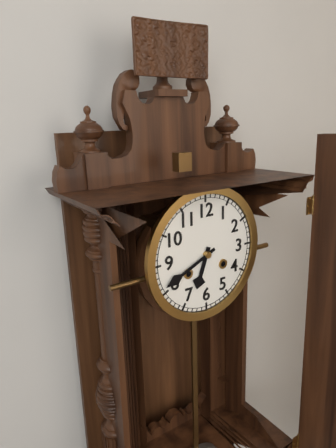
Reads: 6,41
